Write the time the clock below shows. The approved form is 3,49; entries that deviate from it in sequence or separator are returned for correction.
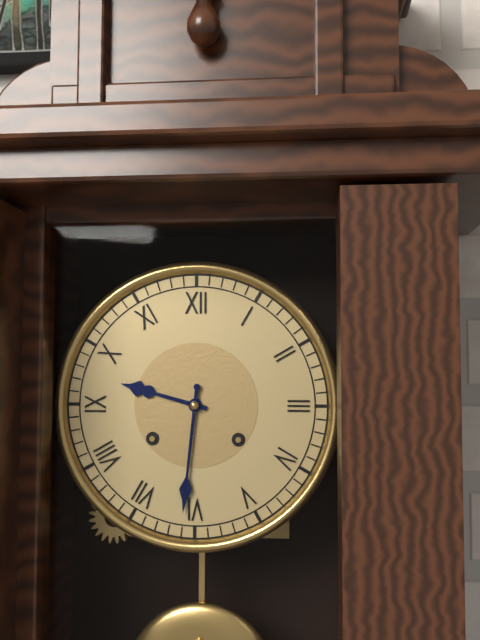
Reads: 9,31
